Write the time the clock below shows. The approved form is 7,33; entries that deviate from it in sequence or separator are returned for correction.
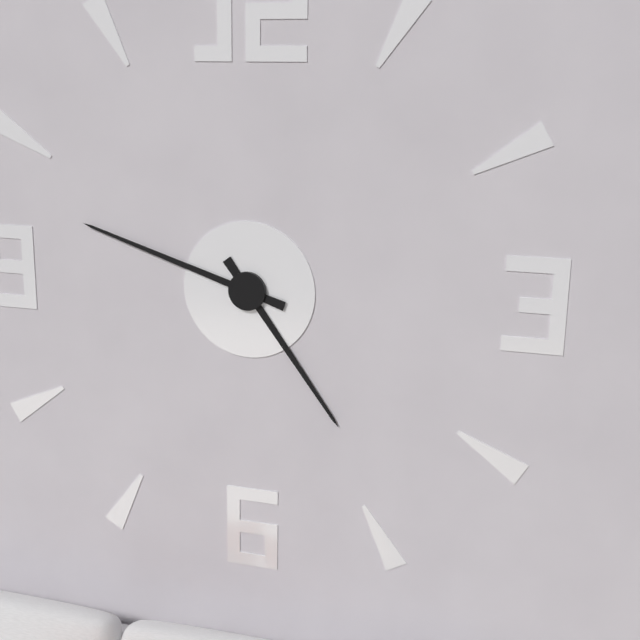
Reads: 4,48
